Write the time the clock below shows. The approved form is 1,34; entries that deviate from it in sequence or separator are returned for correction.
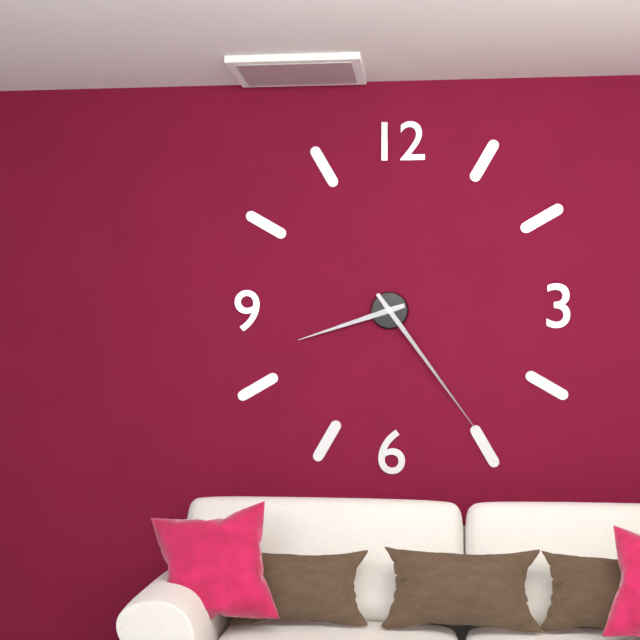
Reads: 8,24
